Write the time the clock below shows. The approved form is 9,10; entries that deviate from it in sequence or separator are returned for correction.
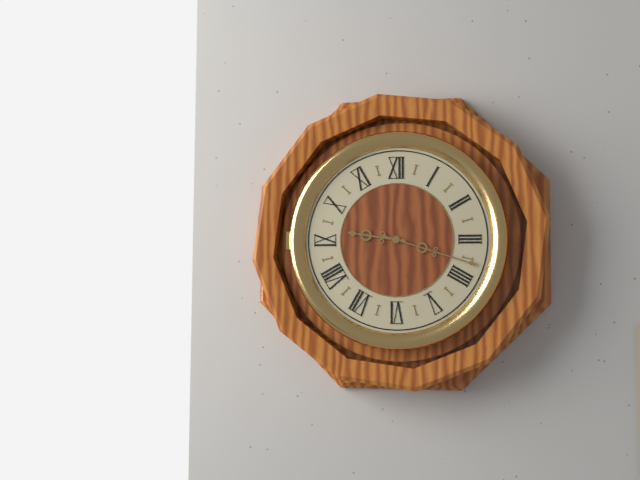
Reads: 9,18
